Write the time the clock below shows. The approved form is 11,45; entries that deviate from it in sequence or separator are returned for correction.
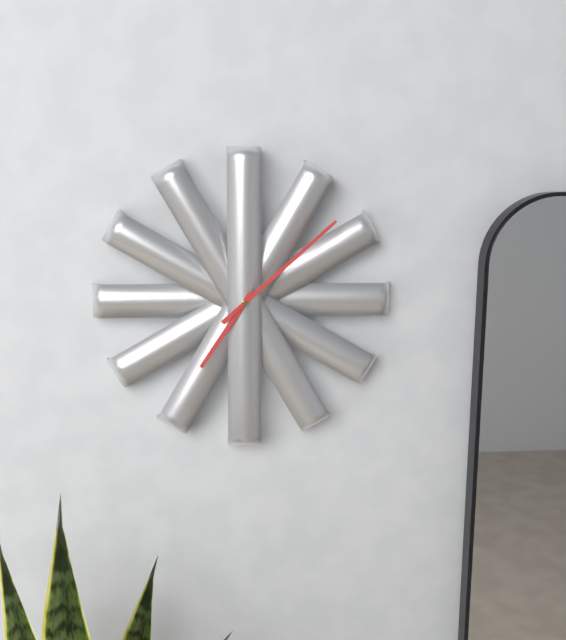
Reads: 7,08
